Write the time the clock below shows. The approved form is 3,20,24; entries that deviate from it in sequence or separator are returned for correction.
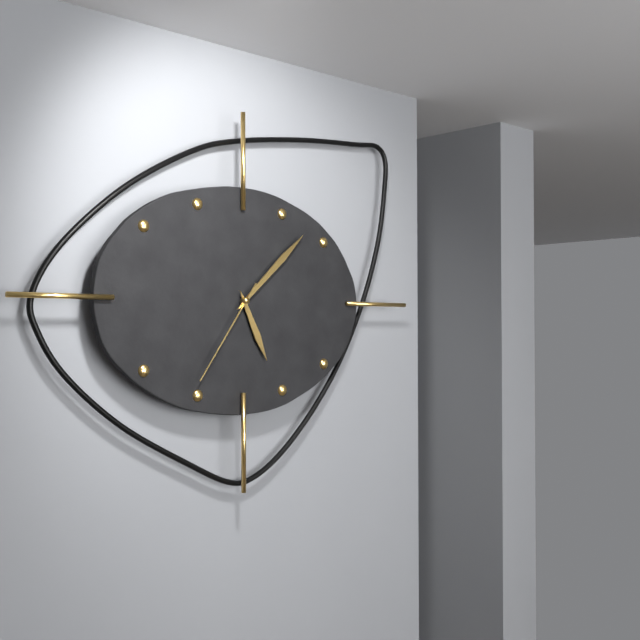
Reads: 5,08,36
